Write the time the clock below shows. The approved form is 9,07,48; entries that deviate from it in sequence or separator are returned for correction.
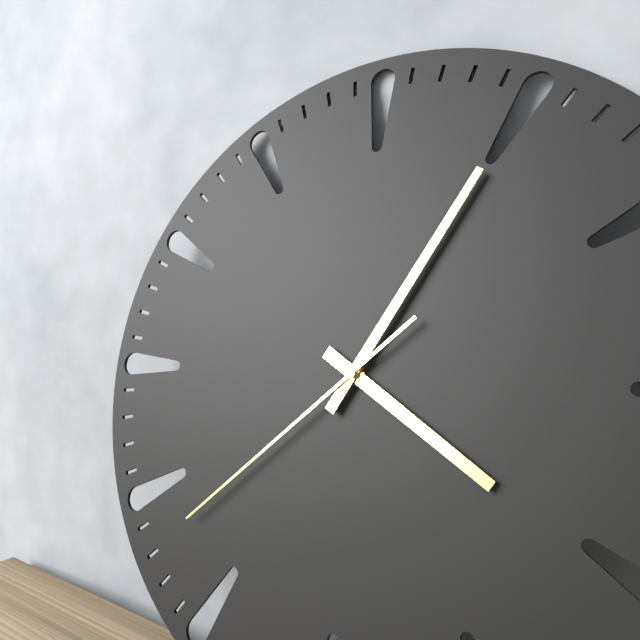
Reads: 4,05,38
